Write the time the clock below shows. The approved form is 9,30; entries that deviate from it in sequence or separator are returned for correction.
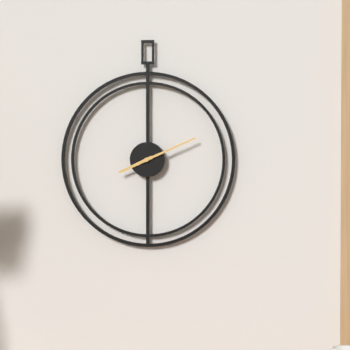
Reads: 8,11
